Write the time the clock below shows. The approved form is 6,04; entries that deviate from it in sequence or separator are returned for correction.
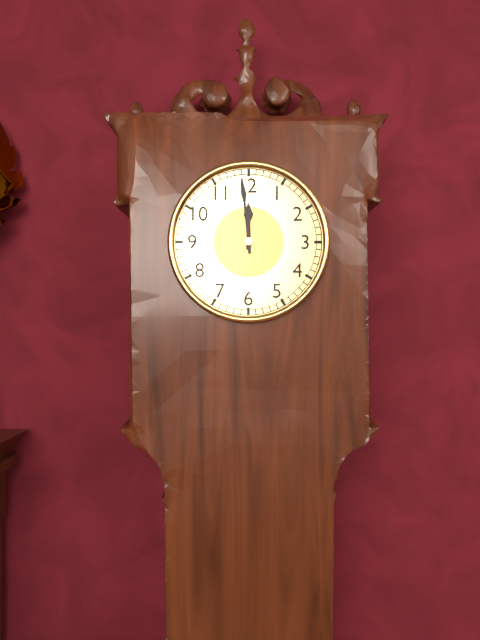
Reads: 11,59
